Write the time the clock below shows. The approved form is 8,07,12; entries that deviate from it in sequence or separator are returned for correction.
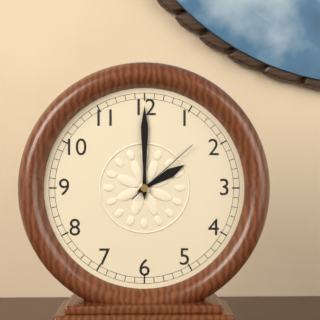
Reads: 2,00,08
